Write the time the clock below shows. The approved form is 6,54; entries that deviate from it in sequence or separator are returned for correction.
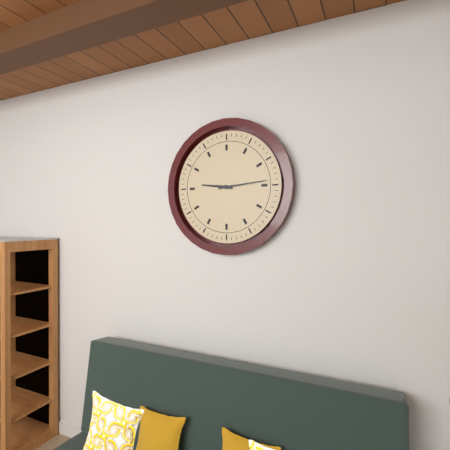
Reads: 9,14
